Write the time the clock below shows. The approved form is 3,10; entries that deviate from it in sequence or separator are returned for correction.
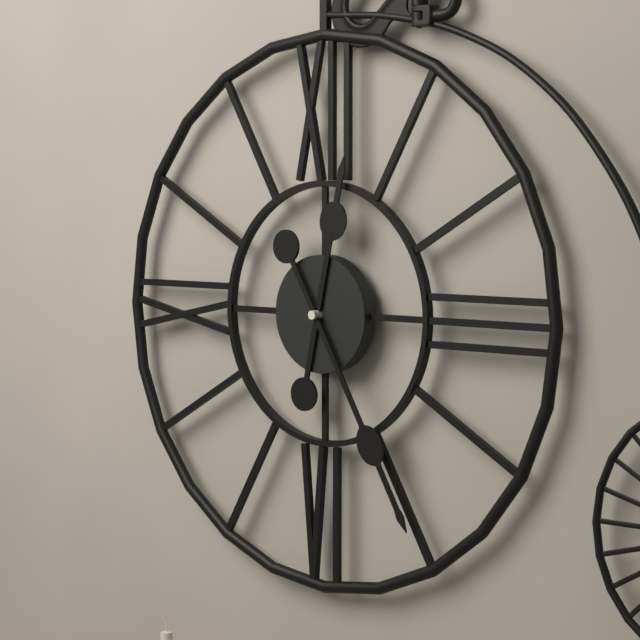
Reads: 12,25
